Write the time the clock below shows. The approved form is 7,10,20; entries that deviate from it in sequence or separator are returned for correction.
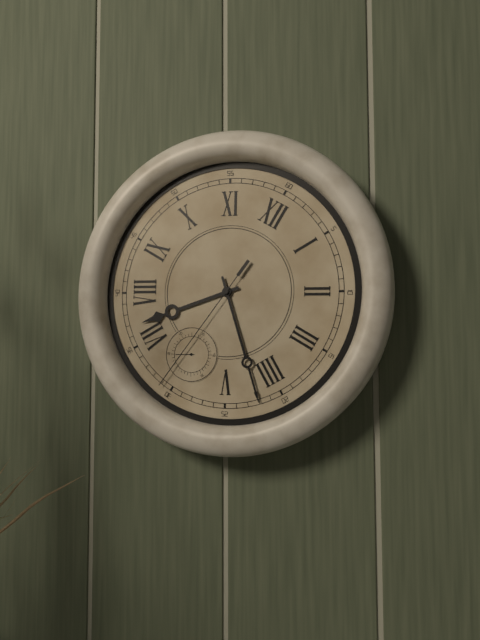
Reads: 7,22,31
